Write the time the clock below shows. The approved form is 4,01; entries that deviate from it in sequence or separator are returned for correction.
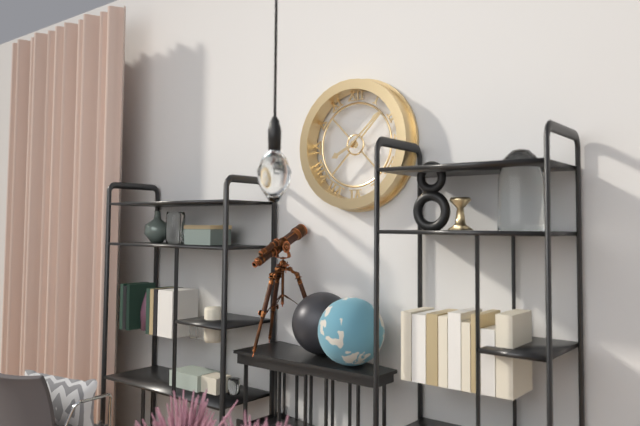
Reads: 8,08
